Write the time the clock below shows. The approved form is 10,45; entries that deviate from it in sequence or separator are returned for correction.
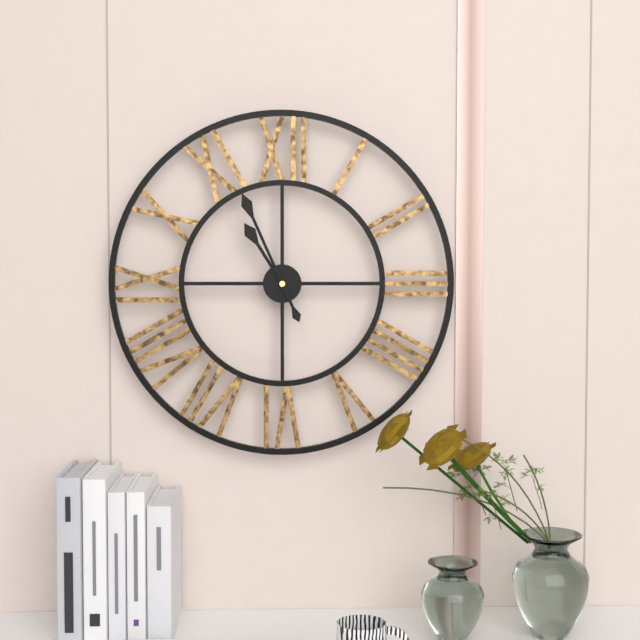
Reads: 10,56
